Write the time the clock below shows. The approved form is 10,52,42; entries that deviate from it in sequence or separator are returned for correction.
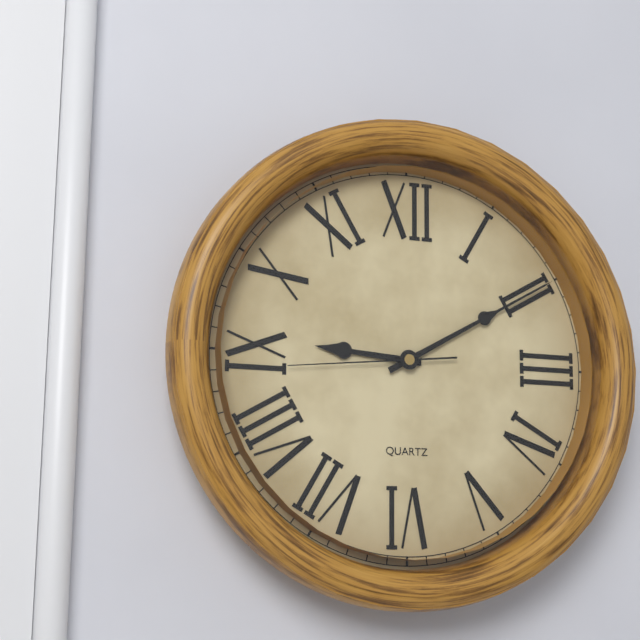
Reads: 9,10,44
